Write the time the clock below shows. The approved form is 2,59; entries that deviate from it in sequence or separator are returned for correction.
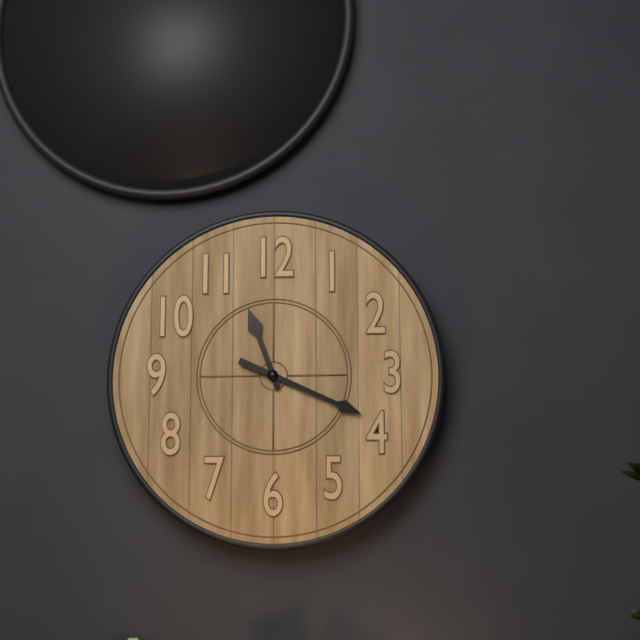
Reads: 11,19
